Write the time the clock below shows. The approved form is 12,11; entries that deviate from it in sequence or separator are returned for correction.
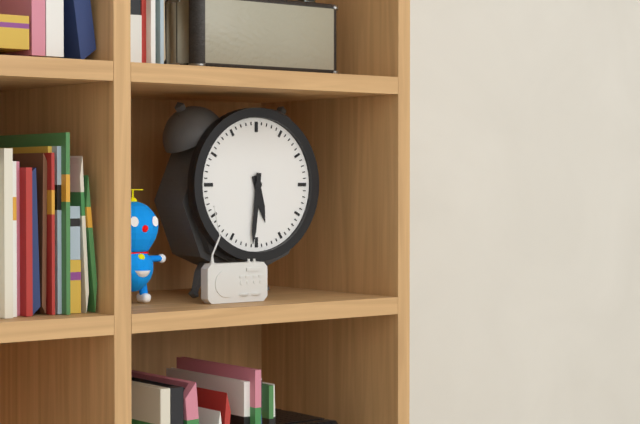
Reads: 5,31
